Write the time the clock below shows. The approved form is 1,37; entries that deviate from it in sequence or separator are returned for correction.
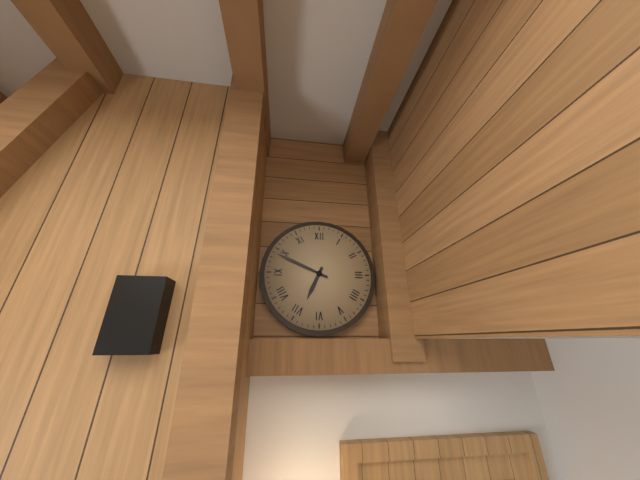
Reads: 6,49
